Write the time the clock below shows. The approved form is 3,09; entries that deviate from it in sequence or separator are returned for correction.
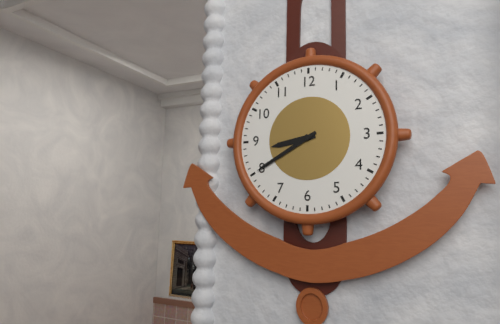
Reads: 8,40
